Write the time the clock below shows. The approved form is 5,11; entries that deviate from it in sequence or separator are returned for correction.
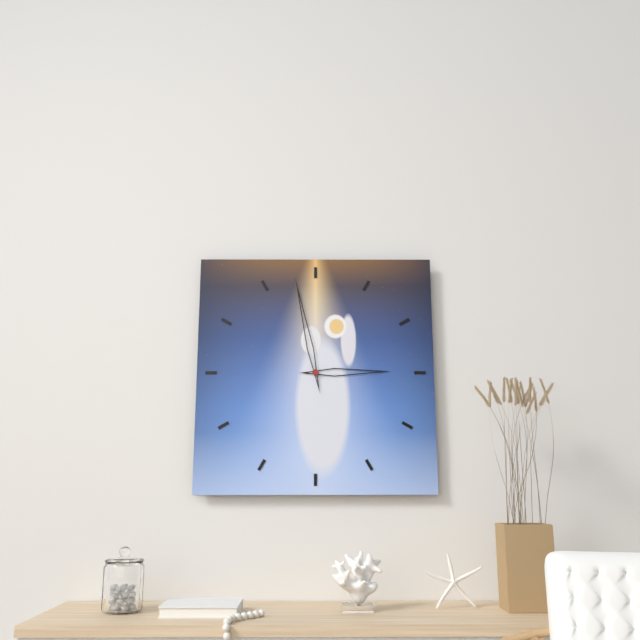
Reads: 2,58
